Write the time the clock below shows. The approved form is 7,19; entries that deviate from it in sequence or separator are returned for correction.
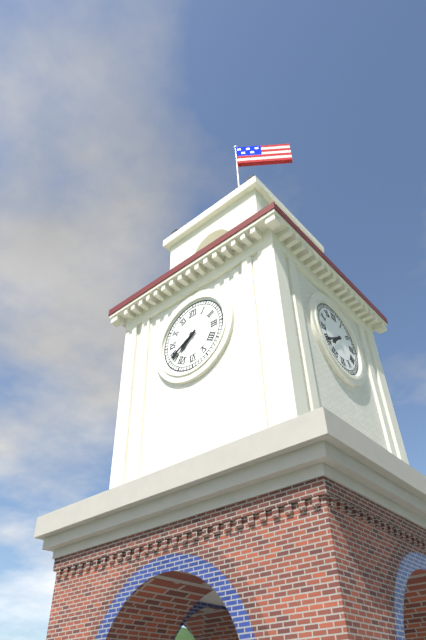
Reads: 7,40
